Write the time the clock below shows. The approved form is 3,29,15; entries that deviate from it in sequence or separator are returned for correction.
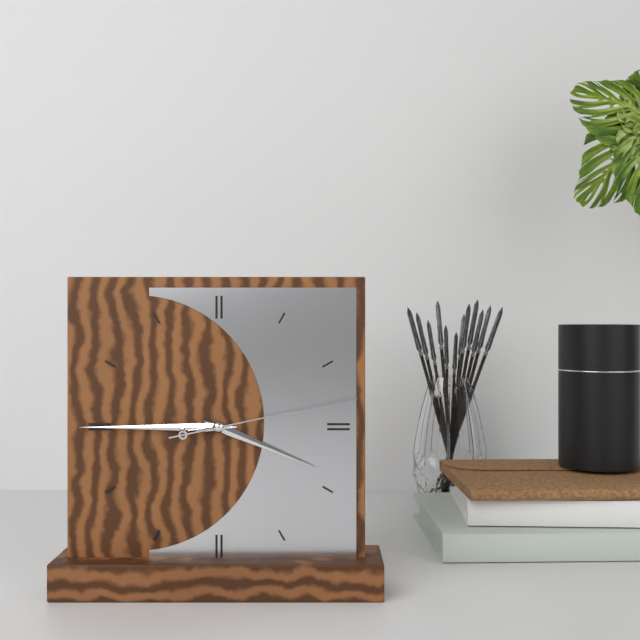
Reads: 3,45,13
